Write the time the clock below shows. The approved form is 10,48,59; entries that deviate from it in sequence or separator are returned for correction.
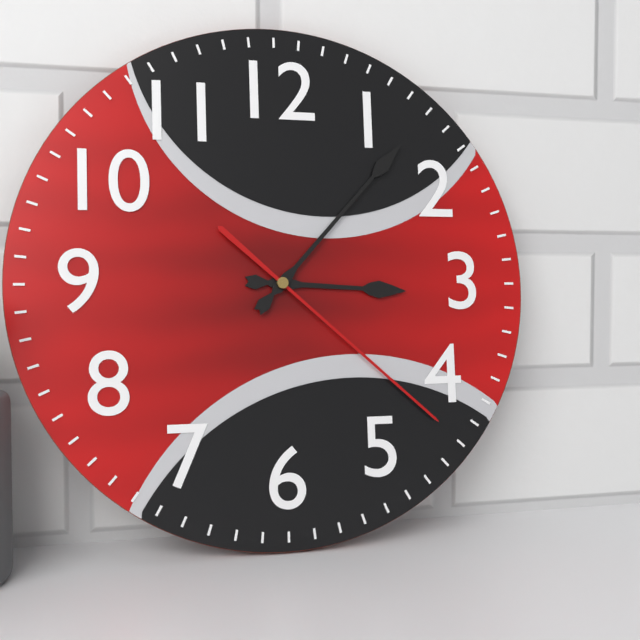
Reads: 3,07,22
